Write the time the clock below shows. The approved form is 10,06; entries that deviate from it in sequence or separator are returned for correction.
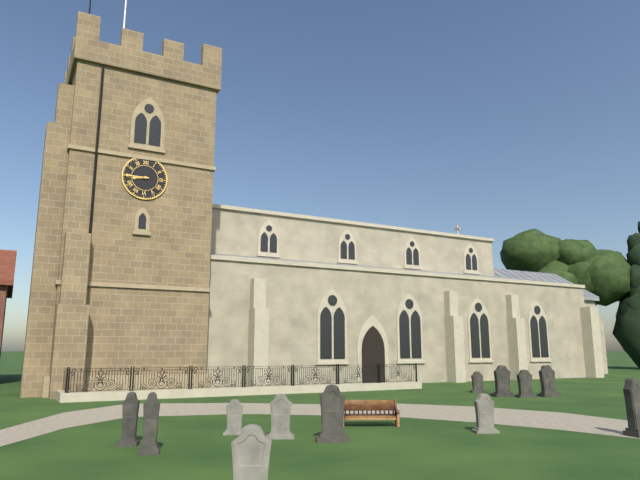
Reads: 8,45
